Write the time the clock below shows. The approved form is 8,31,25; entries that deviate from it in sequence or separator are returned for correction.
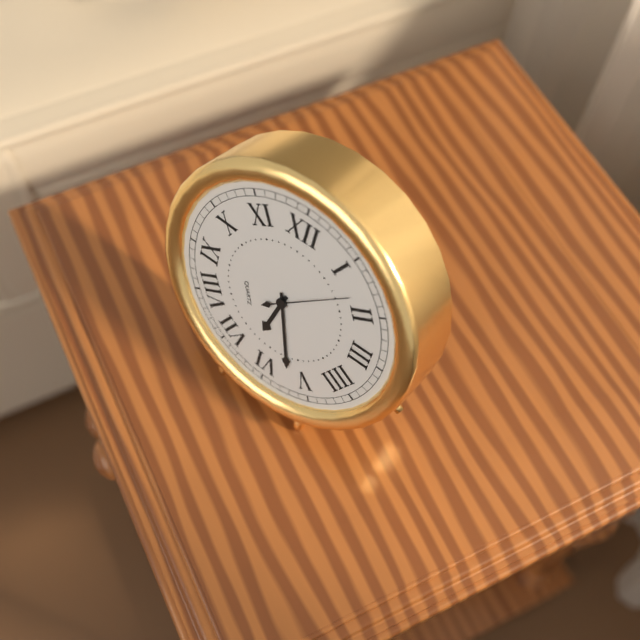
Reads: 6,27,08
